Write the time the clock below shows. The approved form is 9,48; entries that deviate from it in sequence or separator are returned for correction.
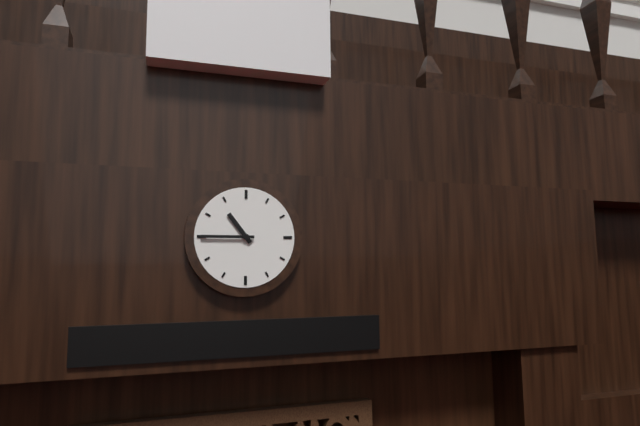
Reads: 10,45
